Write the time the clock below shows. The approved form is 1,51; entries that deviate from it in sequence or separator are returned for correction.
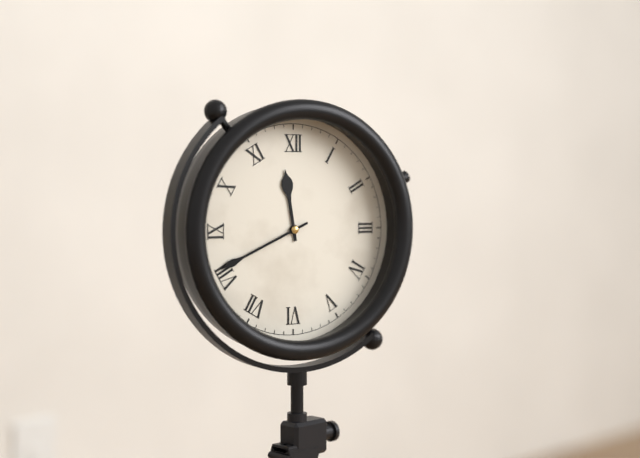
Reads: 11,41
